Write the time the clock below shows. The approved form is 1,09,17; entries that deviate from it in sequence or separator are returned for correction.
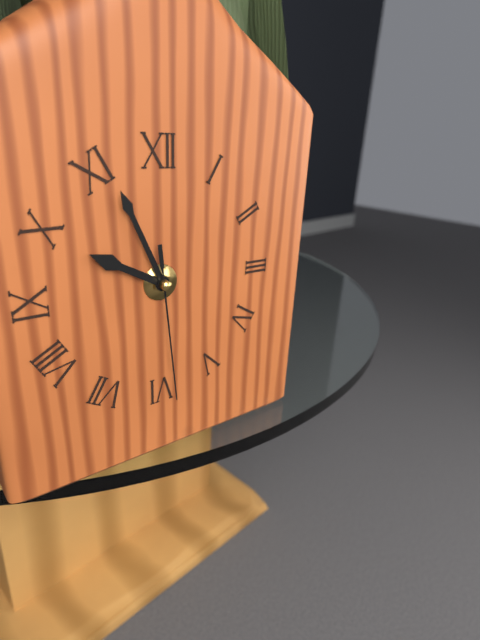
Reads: 9,56,29
